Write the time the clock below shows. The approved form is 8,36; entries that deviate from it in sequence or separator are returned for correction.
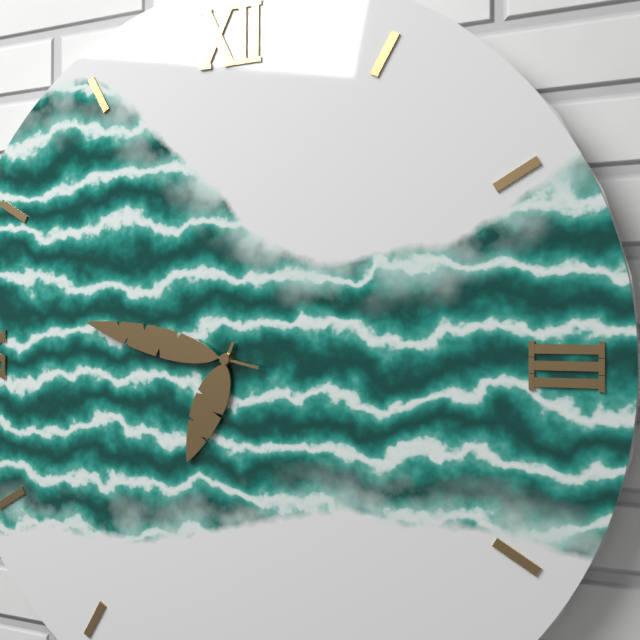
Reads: 6,47
